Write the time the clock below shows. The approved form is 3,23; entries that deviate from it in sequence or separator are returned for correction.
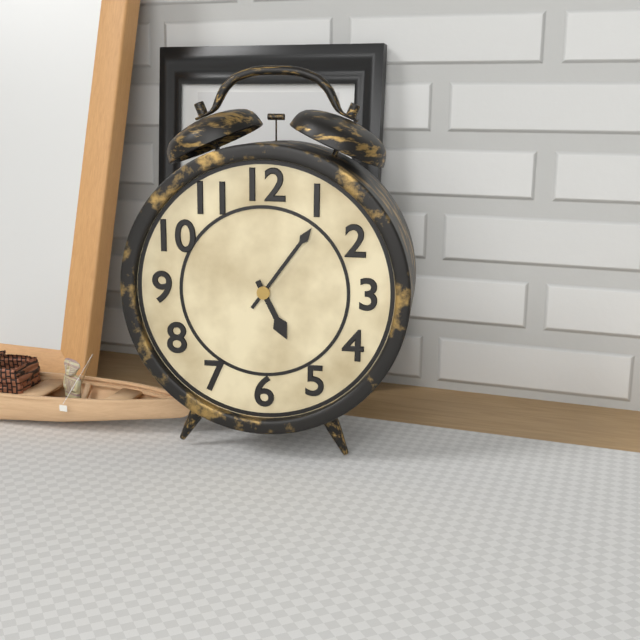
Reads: 5,06
